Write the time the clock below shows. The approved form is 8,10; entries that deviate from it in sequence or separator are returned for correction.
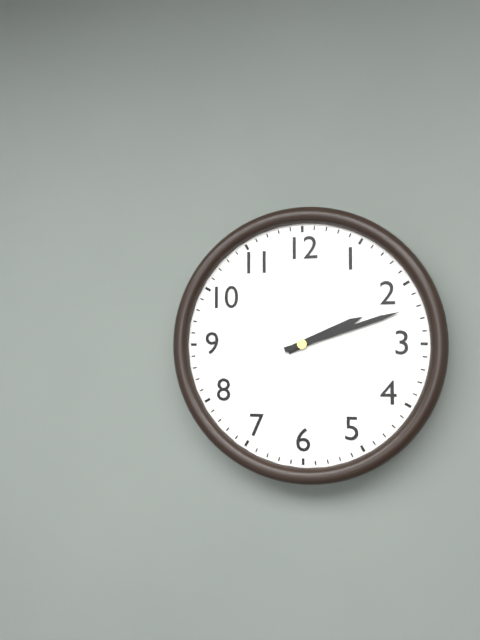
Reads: 2,12
